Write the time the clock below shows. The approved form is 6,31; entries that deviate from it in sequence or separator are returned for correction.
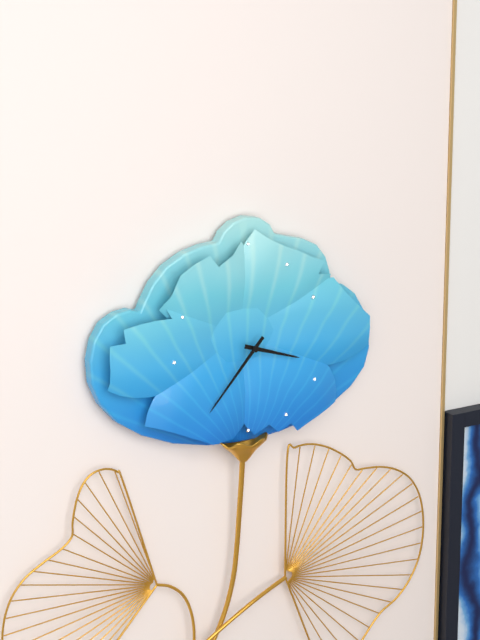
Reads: 3,37
